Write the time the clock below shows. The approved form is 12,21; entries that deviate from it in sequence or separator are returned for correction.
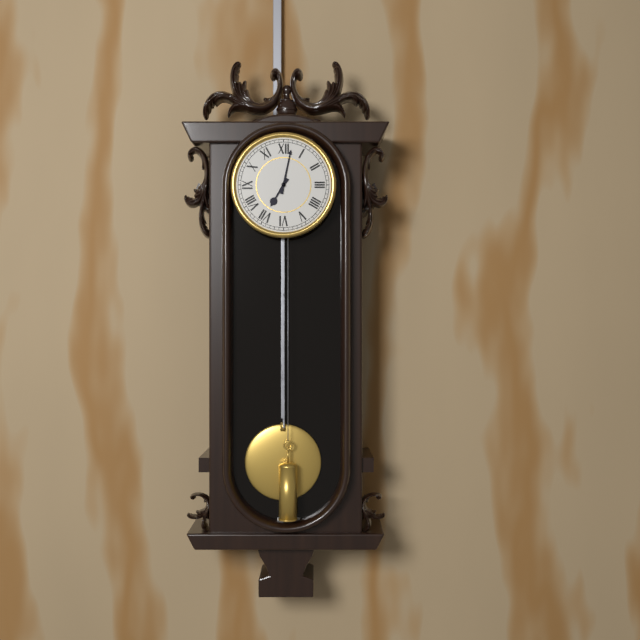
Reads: 7,02
